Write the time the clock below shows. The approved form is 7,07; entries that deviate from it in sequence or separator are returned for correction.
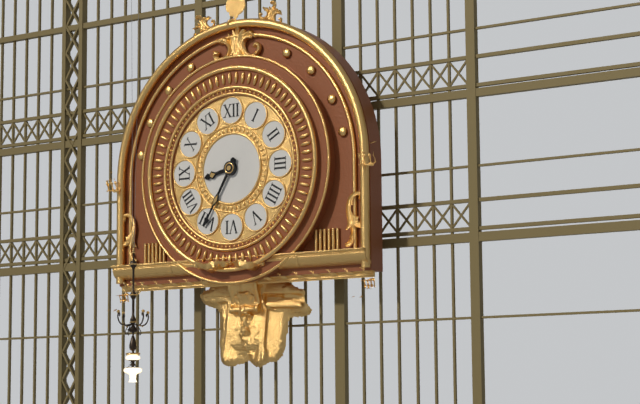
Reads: 8,35
